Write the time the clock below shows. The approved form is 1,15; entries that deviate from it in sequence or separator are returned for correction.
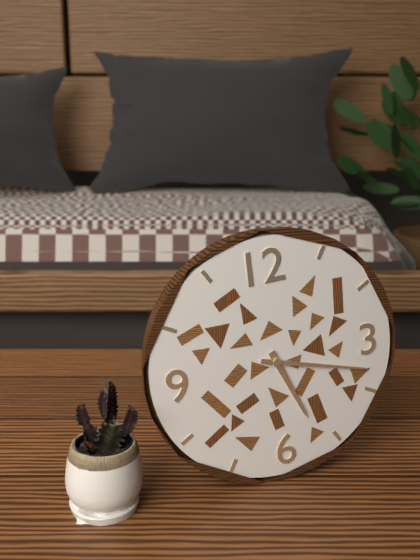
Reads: 5,18
